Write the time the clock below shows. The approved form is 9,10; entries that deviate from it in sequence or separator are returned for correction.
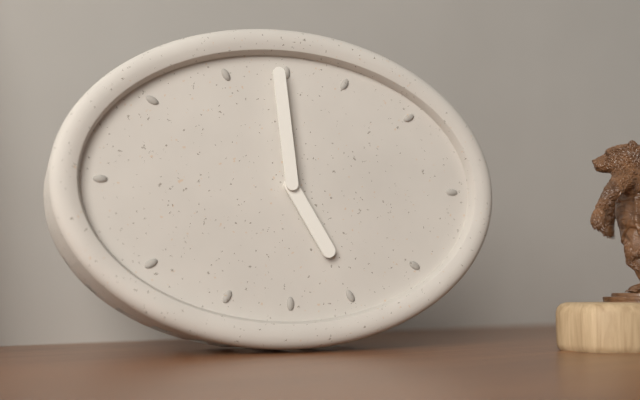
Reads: 4,59
